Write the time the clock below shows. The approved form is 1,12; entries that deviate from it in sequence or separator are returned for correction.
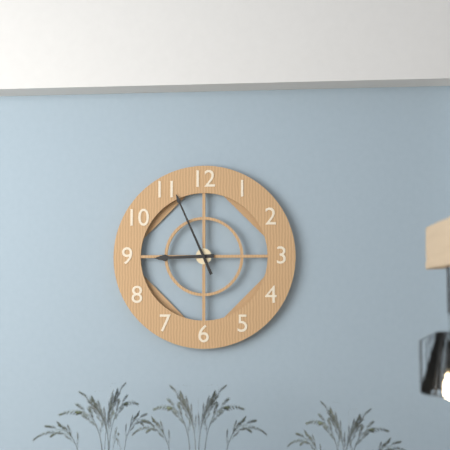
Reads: 8,56
